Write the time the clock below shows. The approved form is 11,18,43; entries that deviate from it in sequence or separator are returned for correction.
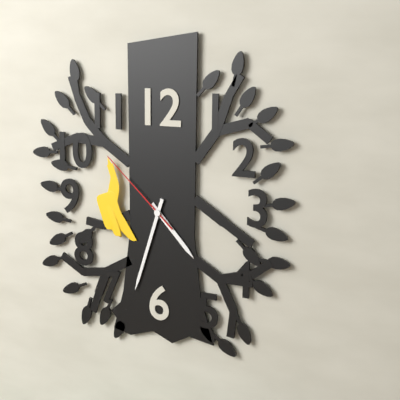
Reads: 4,33,52
